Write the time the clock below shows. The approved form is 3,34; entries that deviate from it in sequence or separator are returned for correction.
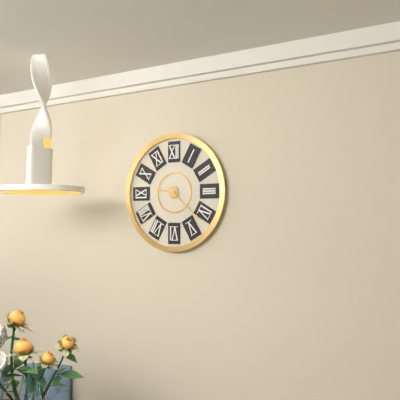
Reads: 9,22
